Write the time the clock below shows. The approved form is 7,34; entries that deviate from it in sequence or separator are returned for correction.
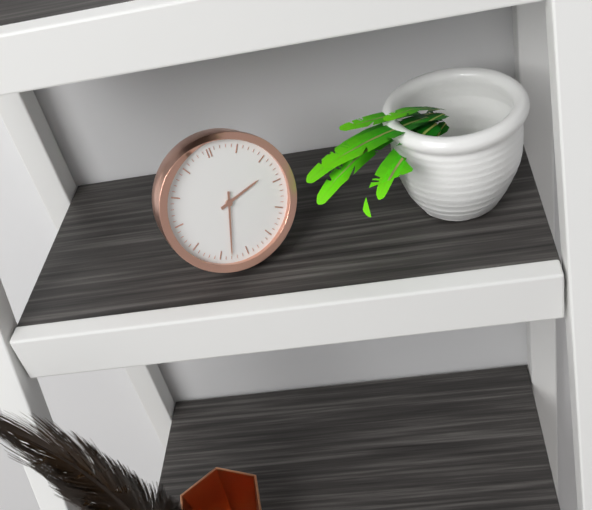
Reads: 2,33
